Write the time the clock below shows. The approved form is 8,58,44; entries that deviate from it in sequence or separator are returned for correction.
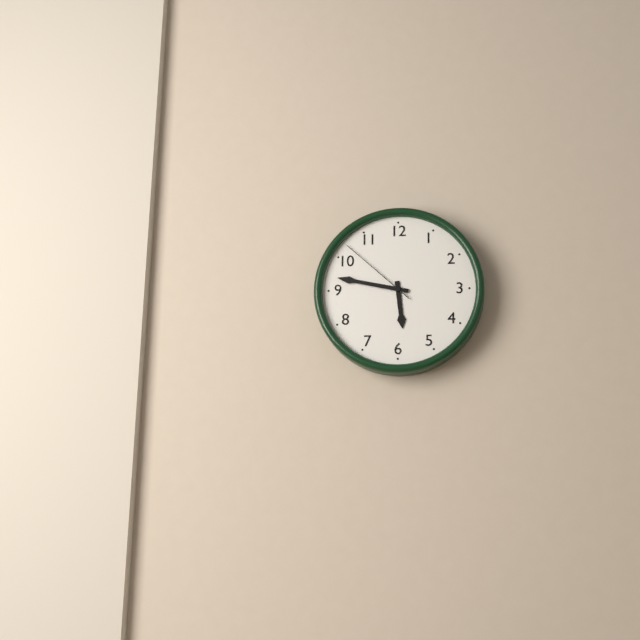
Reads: 5,47,52
